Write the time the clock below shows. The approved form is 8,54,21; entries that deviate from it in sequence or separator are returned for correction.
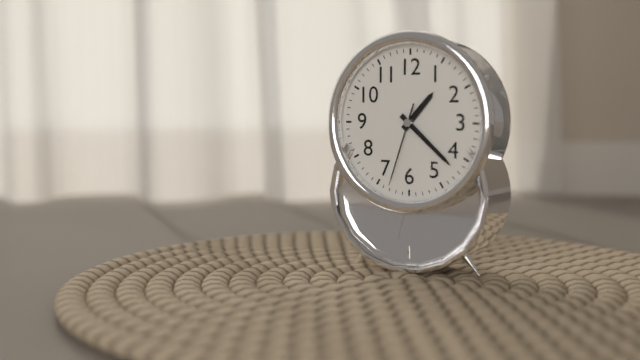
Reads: 1,22,33
